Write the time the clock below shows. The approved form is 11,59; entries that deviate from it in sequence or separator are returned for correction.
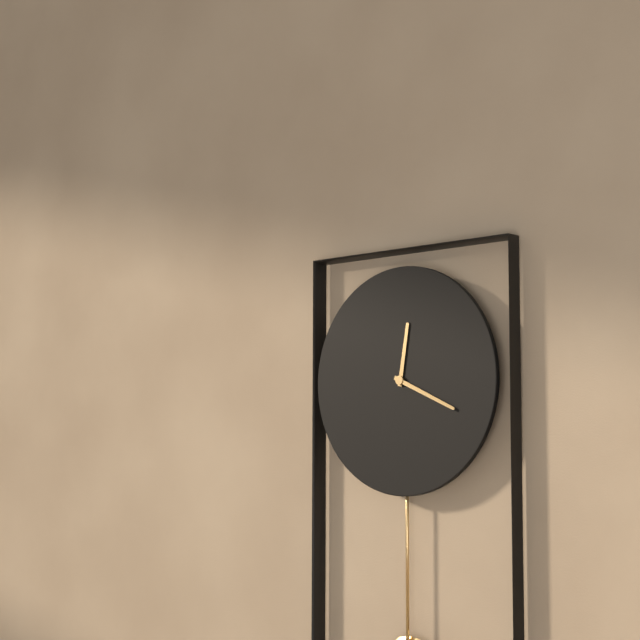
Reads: 12,19
